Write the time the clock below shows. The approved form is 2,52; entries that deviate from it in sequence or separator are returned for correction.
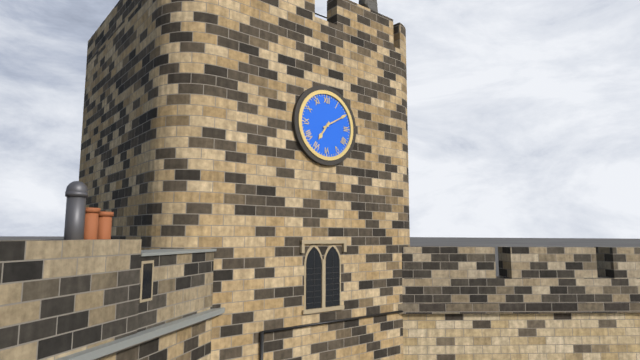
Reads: 7,10
